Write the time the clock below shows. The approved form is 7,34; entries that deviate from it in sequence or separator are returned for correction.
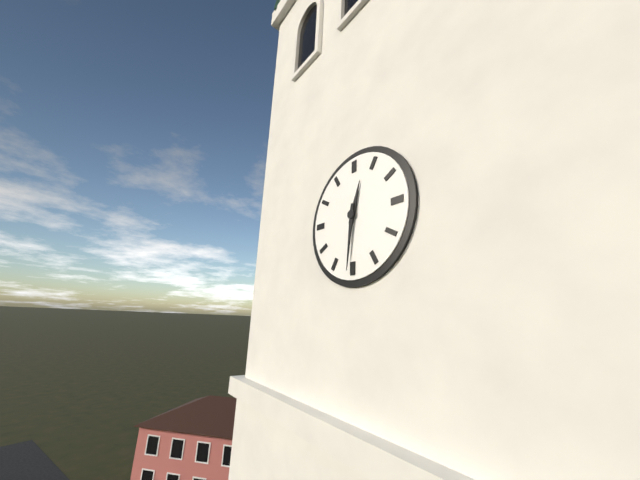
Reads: 12,31
